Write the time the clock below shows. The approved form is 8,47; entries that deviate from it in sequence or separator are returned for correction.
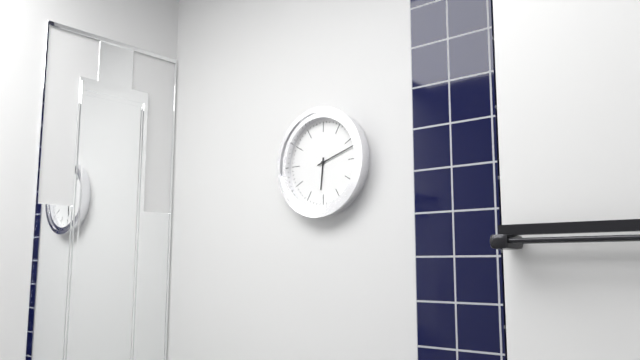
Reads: 6,12
